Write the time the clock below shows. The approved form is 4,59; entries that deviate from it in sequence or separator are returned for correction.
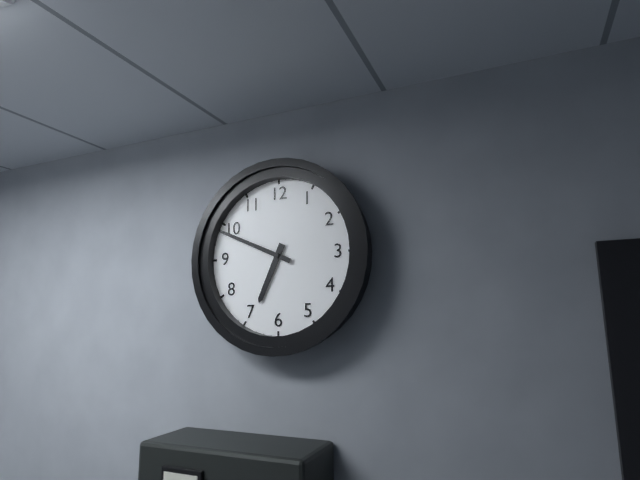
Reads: 6,49
